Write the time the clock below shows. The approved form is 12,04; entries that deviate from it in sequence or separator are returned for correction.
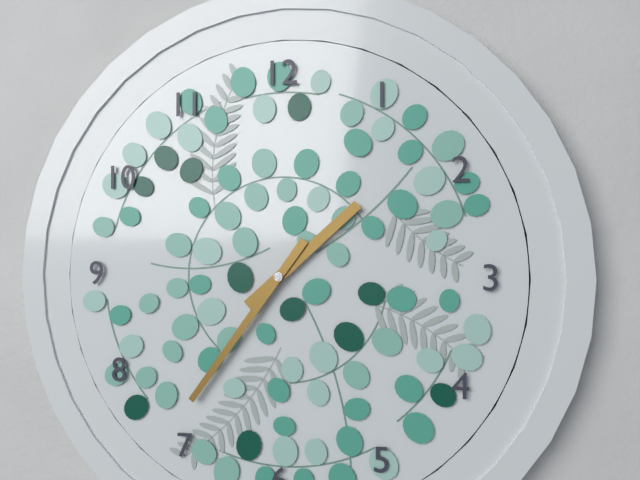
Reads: 1,36
